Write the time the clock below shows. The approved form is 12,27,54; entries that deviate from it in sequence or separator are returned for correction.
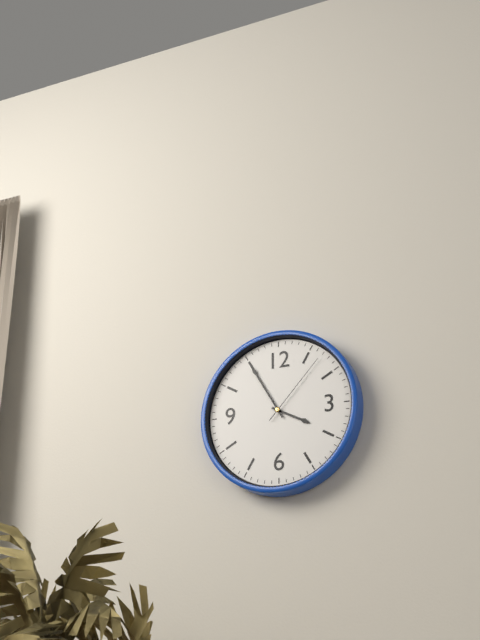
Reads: 3,55,07
